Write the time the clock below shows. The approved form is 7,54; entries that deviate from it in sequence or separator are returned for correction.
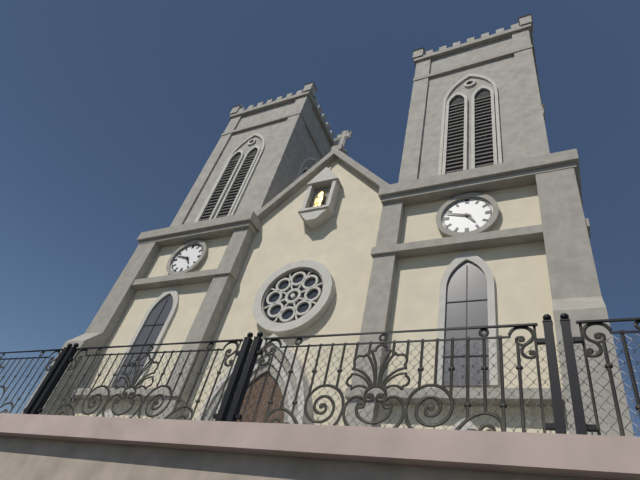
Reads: 4,48
